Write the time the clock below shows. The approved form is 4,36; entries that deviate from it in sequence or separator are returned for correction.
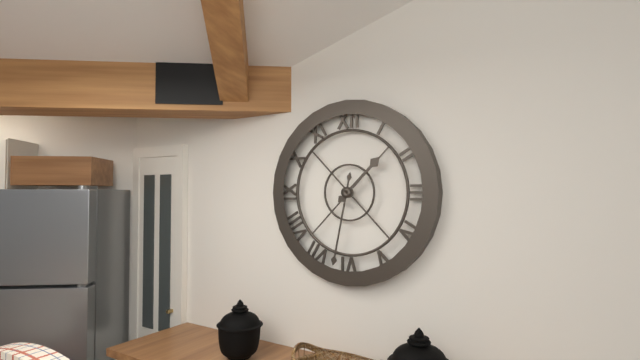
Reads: 1,32
